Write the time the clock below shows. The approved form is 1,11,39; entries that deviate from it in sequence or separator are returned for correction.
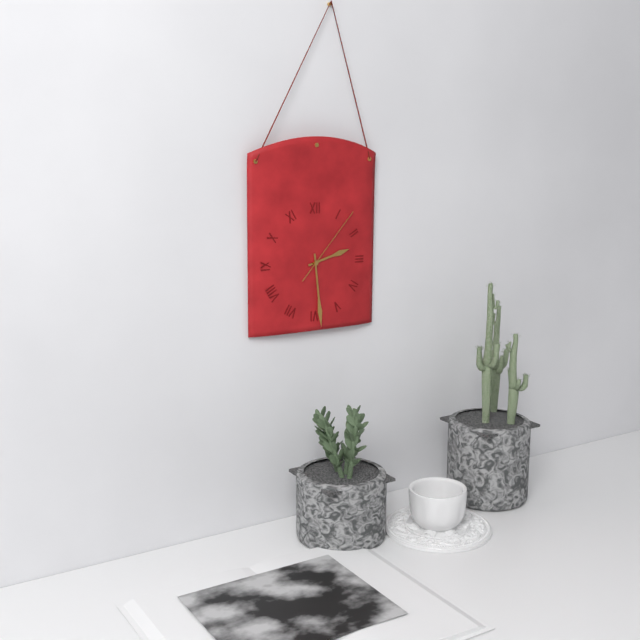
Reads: 2,29,07
